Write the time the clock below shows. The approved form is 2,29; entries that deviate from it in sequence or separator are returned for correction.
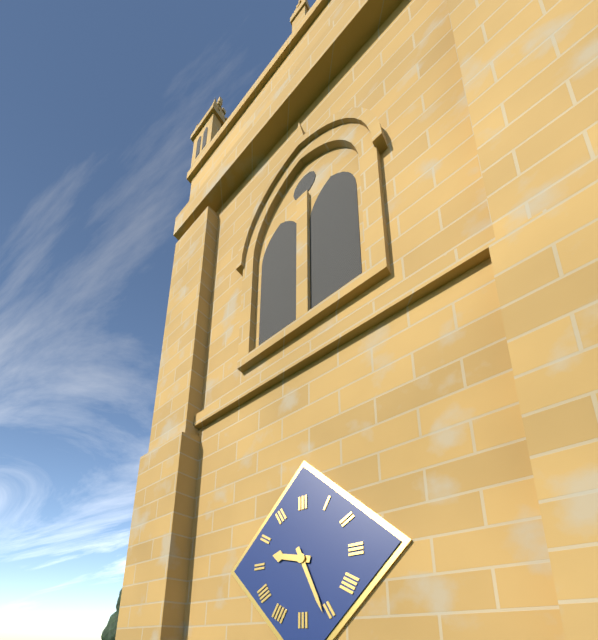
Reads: 9,26
